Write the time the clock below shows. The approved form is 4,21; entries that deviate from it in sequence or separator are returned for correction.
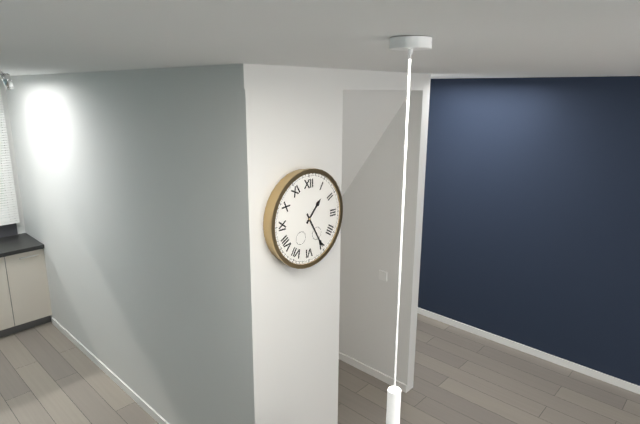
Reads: 1,25
